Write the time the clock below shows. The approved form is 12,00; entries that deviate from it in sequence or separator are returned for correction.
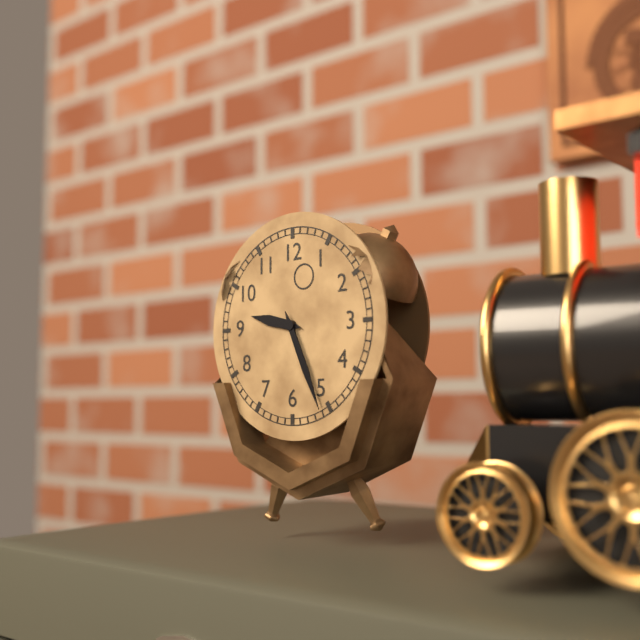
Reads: 9,26
